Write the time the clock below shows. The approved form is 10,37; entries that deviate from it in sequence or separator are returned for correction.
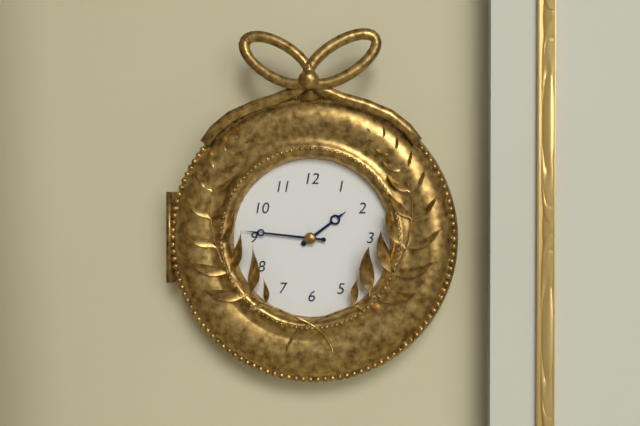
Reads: 1,46
